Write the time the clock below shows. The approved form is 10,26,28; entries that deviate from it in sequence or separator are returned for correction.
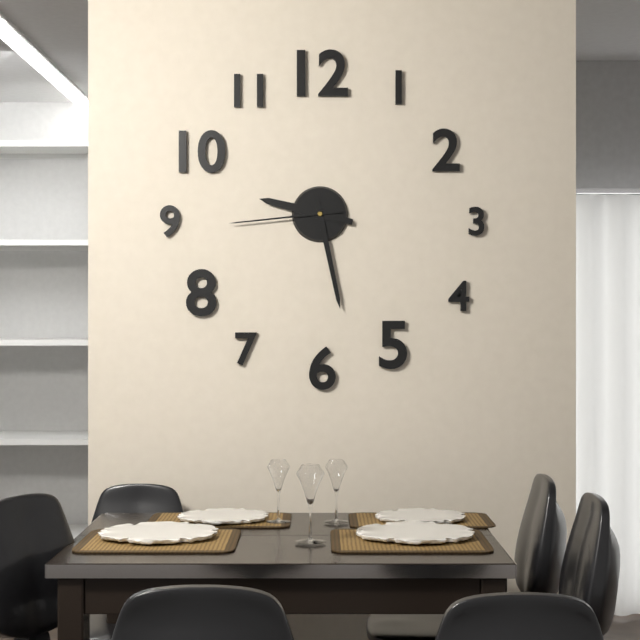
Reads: 9,28,44
